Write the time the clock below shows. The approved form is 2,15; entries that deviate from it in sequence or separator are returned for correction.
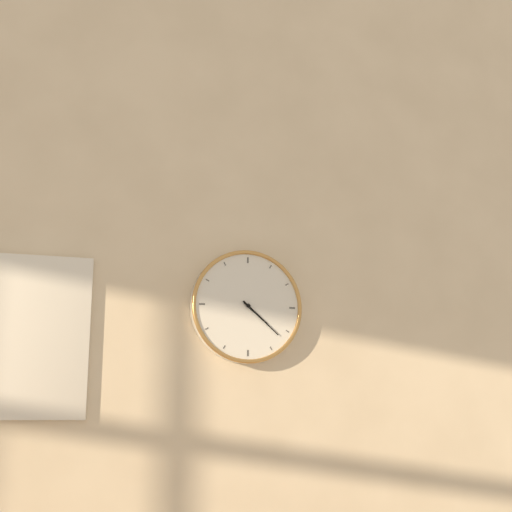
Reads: 4,22
